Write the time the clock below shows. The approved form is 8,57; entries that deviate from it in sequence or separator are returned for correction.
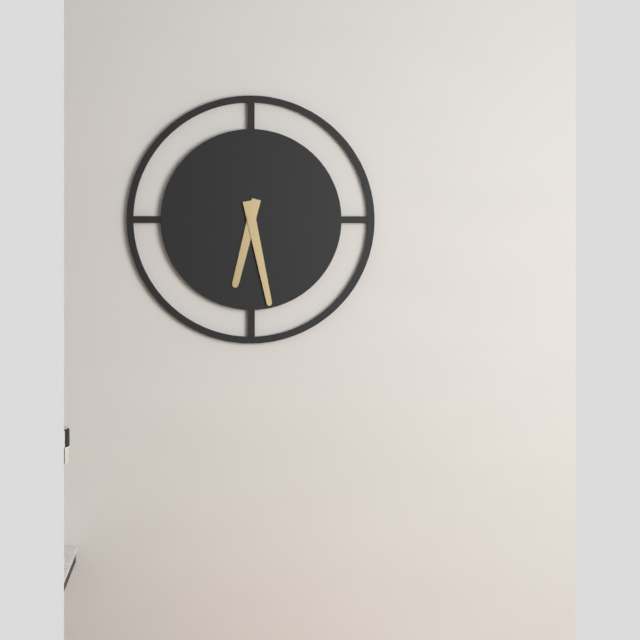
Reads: 6,28
